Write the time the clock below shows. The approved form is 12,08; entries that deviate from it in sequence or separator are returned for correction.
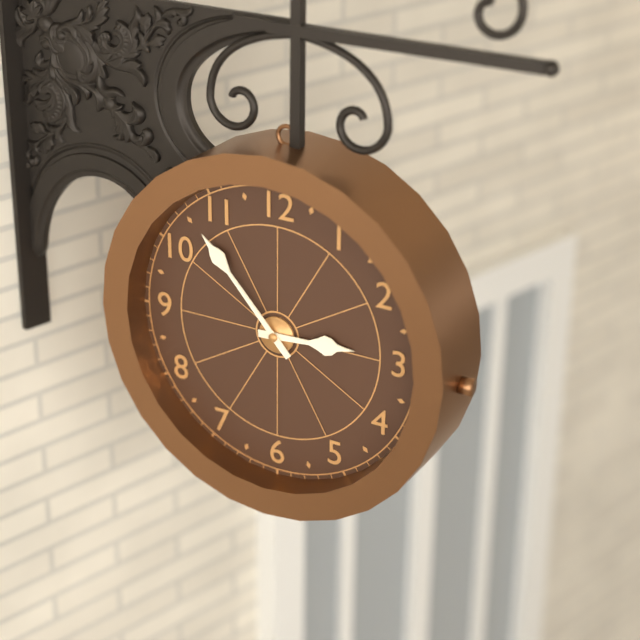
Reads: 2,53
